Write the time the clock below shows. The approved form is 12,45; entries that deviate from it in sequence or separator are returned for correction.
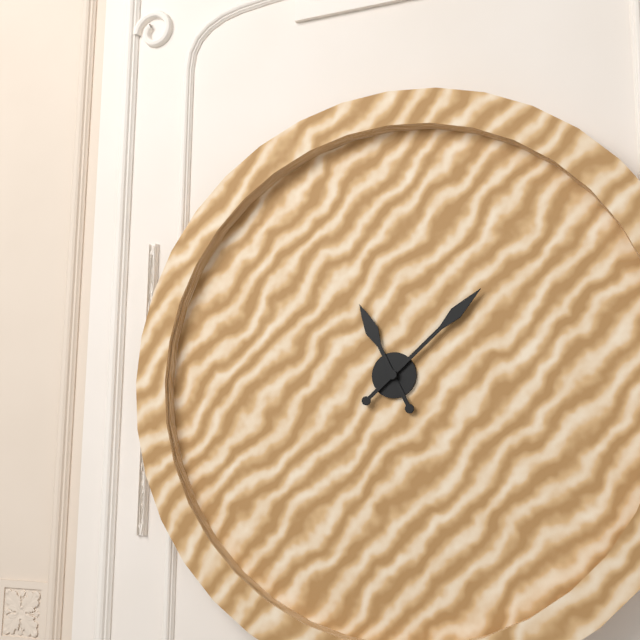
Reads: 11,08
